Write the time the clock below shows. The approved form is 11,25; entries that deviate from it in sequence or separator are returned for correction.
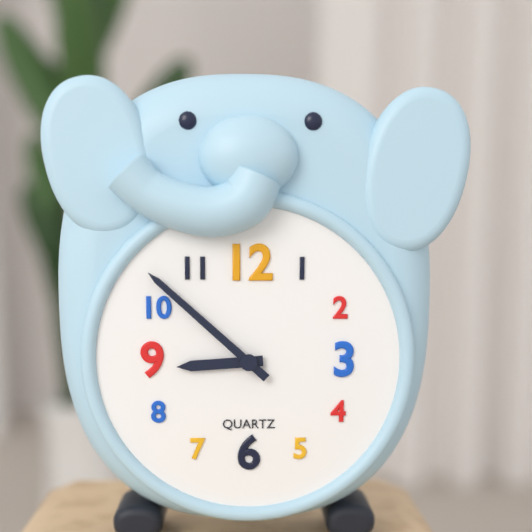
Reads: 8,52
